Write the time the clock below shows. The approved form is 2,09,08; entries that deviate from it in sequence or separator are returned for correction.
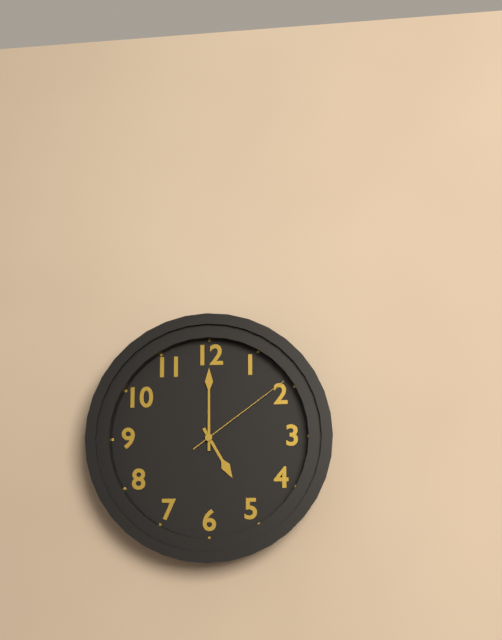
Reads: 5,00,09
